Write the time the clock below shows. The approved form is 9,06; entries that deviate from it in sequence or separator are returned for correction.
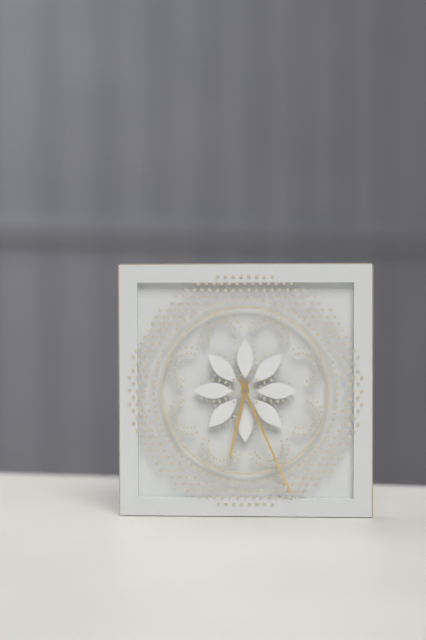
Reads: 6,26
